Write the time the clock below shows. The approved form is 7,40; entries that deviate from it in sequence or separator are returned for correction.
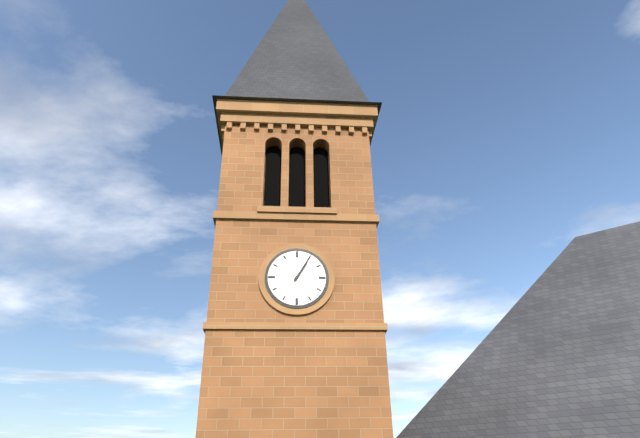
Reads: 1,05
